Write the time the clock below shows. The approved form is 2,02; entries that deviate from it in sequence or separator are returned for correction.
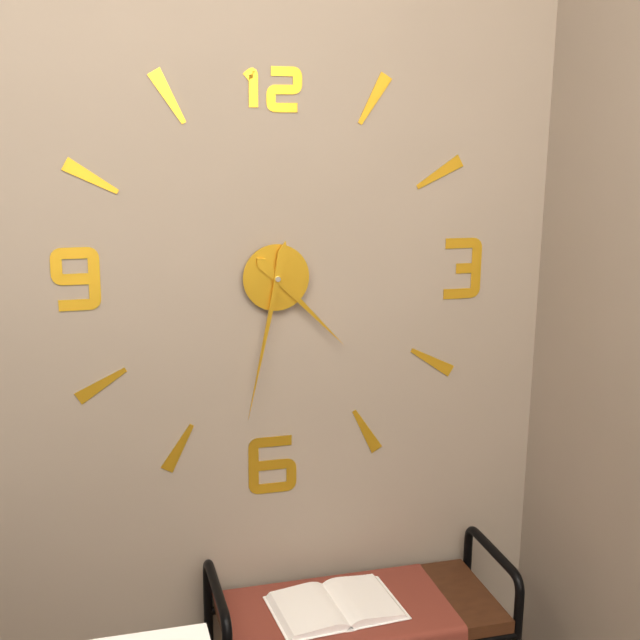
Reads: 4,32
